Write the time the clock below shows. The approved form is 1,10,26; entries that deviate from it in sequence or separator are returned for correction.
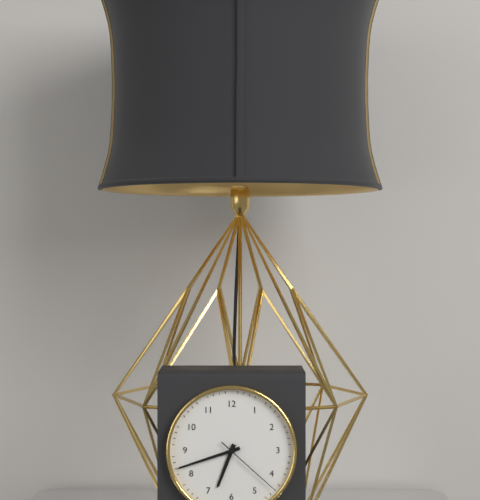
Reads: 6,42,22
